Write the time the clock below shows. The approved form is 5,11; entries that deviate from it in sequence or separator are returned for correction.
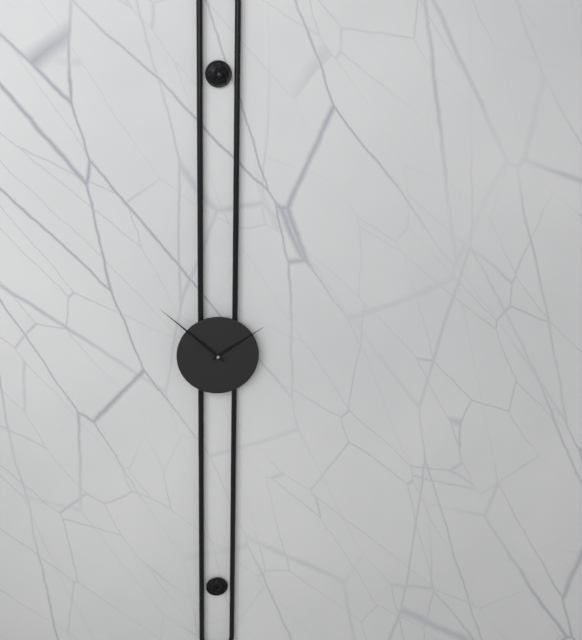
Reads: 1,52
